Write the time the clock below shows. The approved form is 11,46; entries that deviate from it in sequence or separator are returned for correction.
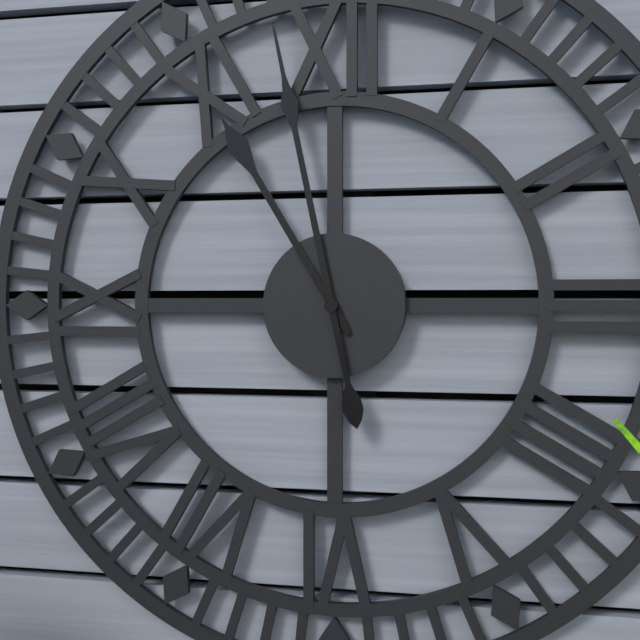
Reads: 10,58
